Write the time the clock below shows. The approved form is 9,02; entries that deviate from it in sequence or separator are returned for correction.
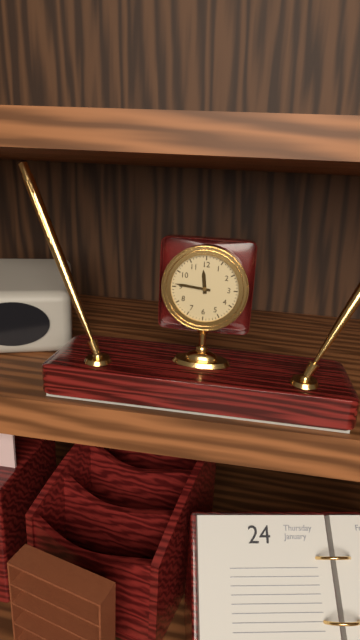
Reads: 11,46
